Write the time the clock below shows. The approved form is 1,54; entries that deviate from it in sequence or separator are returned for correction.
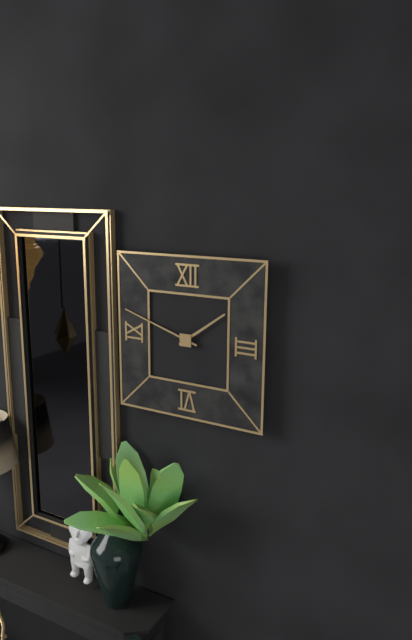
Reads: 1,48
